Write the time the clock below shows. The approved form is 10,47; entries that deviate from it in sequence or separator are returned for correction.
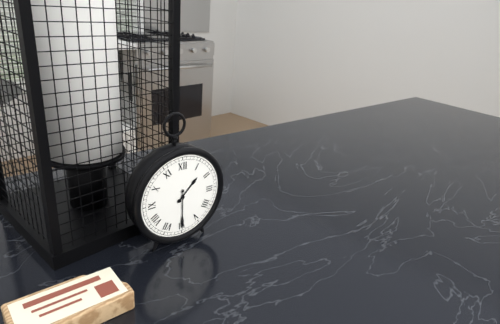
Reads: 1,30
